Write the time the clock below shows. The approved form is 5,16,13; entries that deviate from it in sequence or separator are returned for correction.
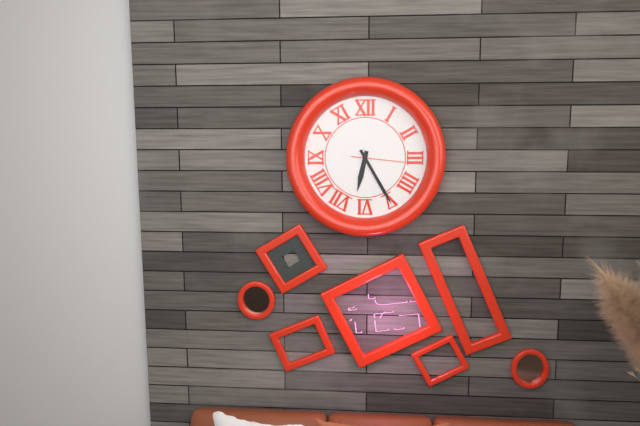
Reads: 6,25,16
